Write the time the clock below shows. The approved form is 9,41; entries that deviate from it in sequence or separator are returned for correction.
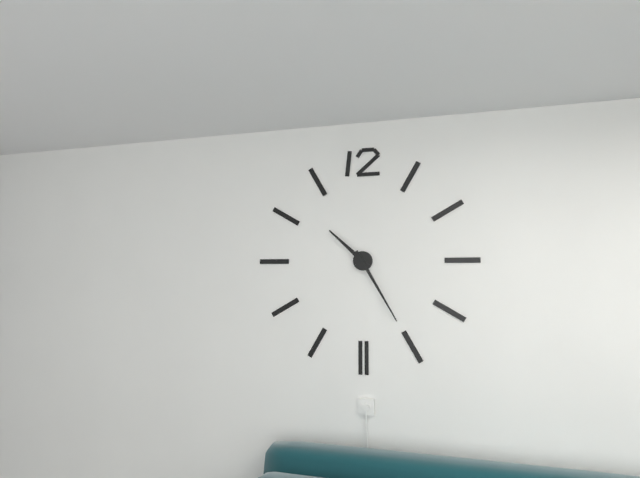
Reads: 10,25
